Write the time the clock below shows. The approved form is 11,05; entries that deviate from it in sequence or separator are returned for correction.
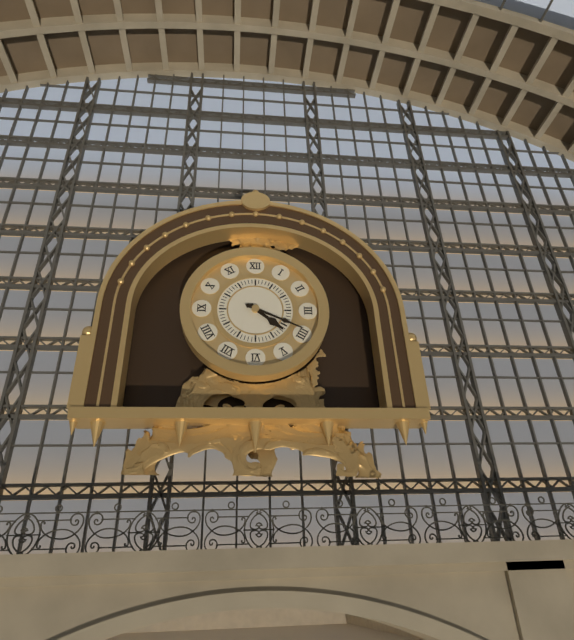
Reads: 4,19
